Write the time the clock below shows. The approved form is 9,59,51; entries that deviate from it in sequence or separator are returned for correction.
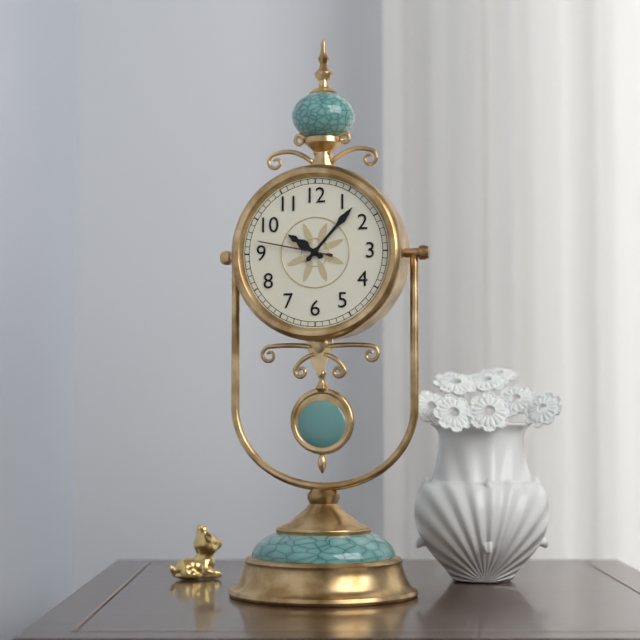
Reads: 10,07,47
